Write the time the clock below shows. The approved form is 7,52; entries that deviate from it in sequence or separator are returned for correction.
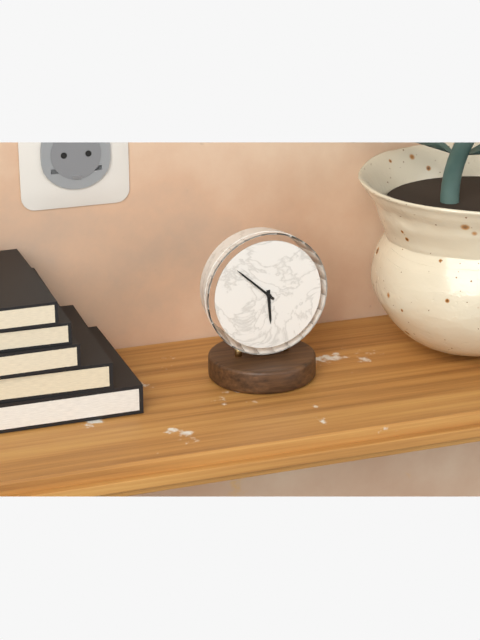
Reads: 5,52
